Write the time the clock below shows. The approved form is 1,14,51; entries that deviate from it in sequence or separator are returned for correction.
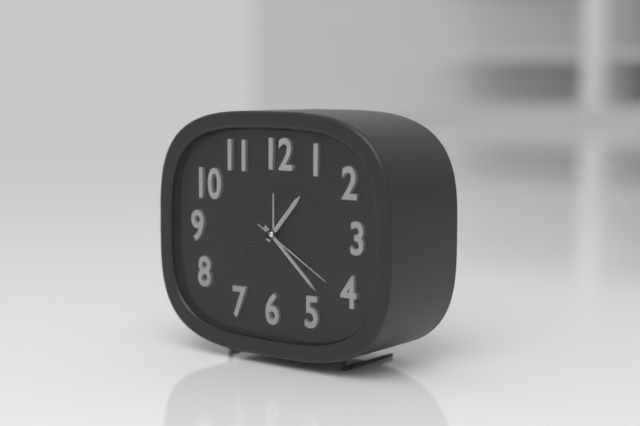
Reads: 1,22,20
